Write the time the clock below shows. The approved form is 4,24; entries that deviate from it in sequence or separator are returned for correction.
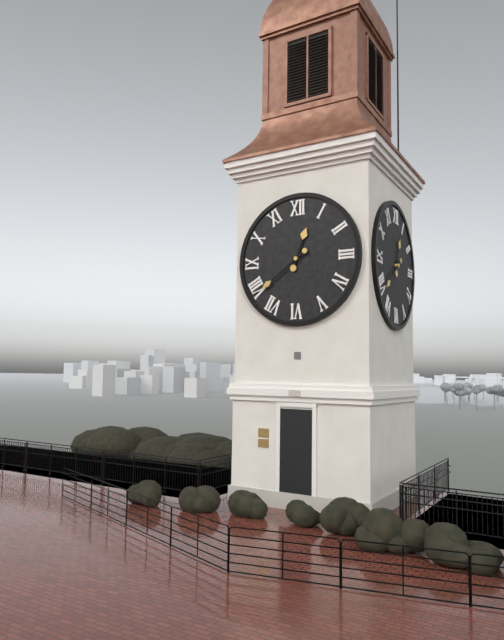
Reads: 12,39
